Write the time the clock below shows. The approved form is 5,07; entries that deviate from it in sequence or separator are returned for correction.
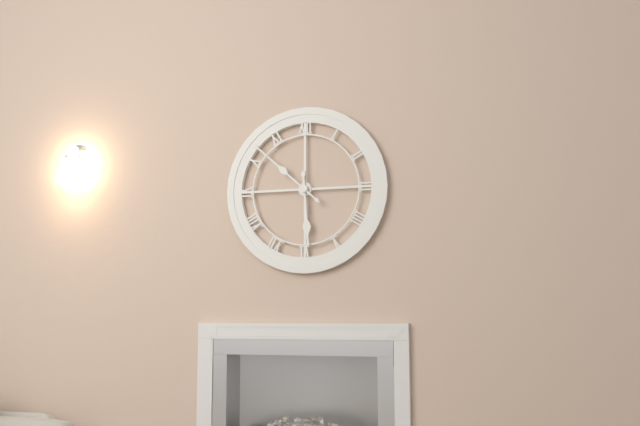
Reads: 5,52
